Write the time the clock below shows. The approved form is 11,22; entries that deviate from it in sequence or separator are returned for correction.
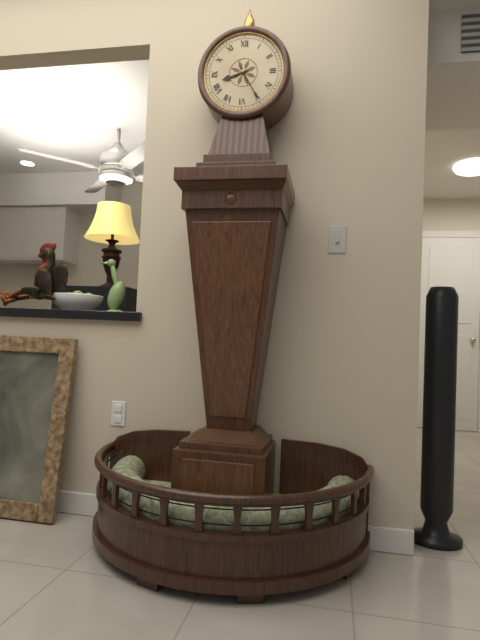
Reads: 8,25
